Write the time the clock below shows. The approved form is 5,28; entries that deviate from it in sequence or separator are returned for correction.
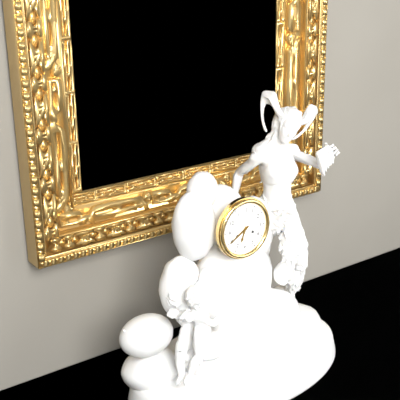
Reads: 6,40
